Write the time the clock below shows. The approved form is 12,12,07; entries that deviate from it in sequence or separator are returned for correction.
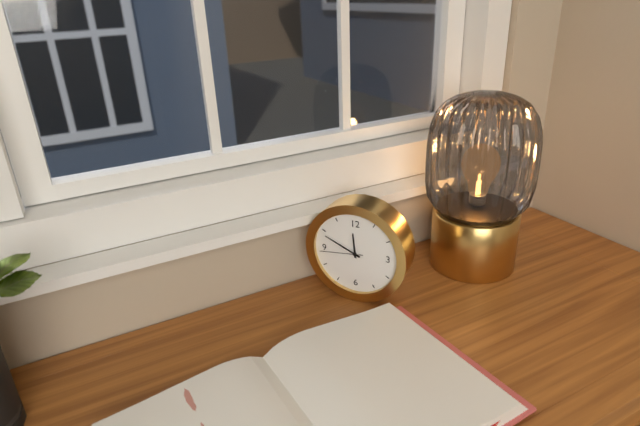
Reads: 11,49,44
